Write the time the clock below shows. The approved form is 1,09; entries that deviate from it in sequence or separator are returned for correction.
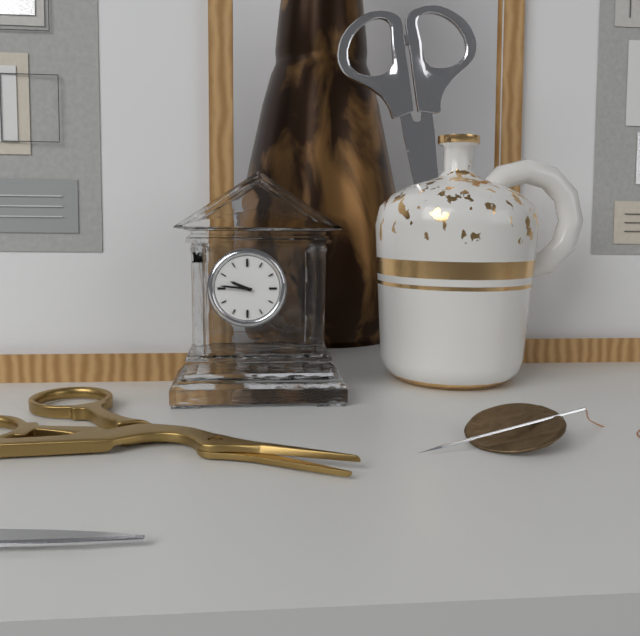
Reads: 9,46
